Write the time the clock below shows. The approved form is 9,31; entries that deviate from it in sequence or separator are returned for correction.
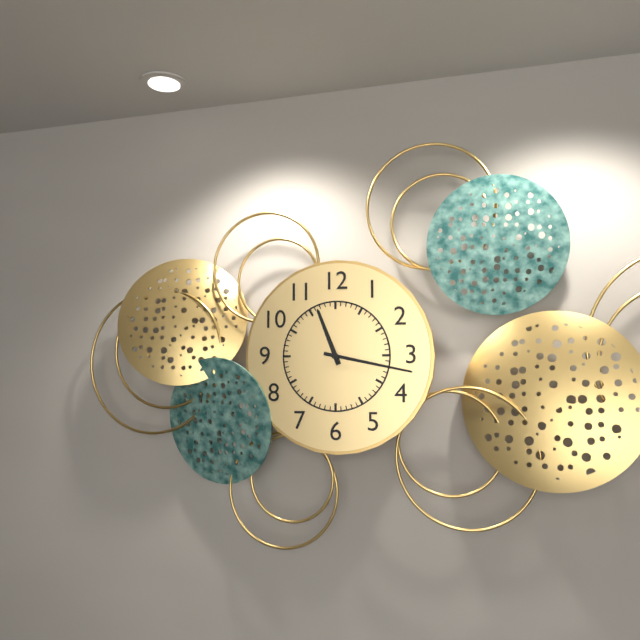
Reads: 11,17
